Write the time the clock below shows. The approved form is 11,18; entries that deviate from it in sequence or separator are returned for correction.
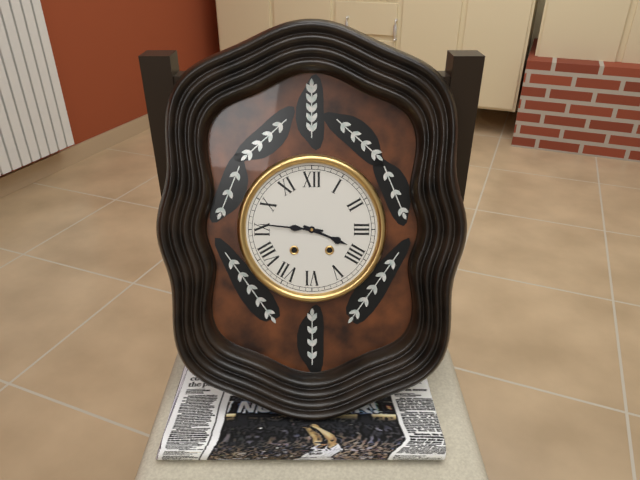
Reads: 3,46
